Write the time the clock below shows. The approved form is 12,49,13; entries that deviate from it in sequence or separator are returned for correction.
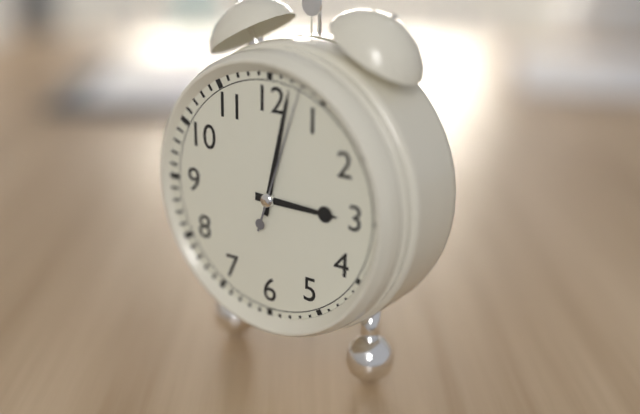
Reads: 3,02,03
